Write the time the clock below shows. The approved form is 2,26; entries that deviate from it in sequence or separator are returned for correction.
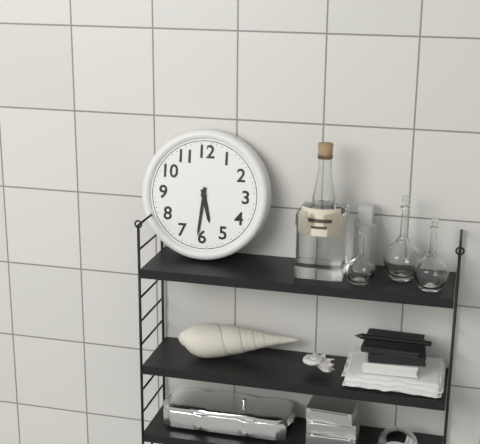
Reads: 5,31
